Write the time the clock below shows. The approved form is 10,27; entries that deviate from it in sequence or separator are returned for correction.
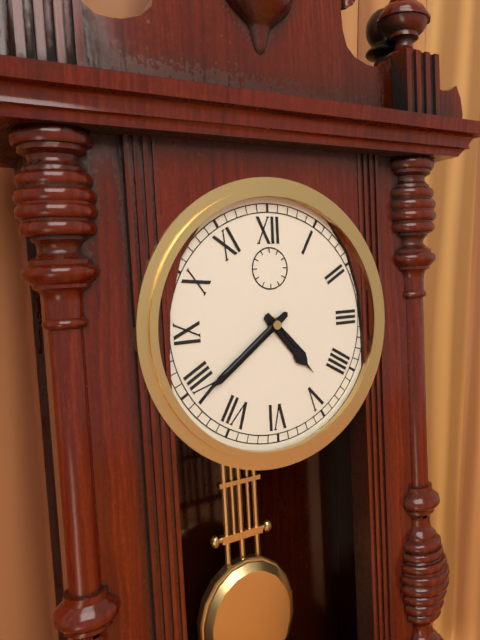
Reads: 4,39
